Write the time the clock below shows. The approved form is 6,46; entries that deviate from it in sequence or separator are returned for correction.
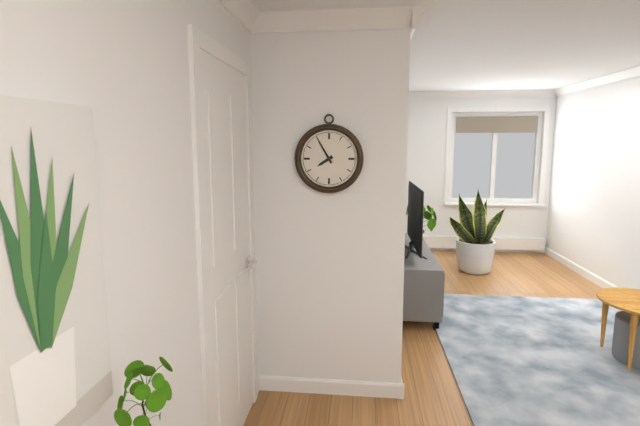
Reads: 7,55
